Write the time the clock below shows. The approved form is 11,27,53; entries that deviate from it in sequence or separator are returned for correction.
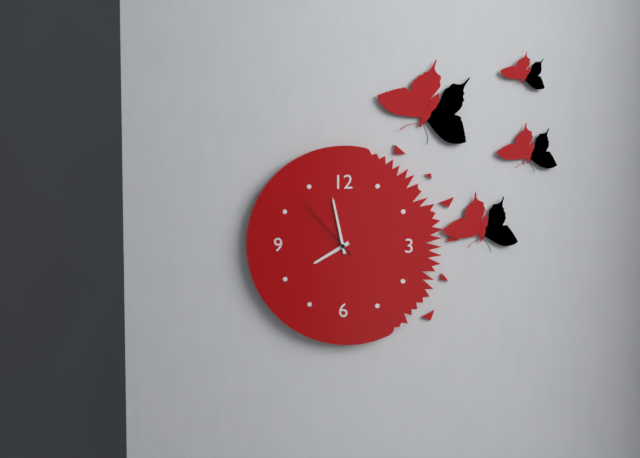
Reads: 7,58,53
